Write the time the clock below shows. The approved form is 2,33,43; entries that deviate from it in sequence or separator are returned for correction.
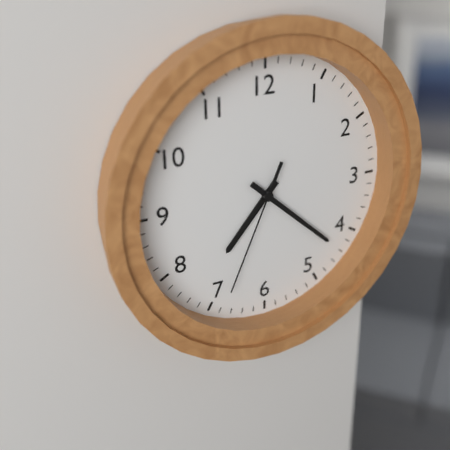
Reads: 7,22,34
